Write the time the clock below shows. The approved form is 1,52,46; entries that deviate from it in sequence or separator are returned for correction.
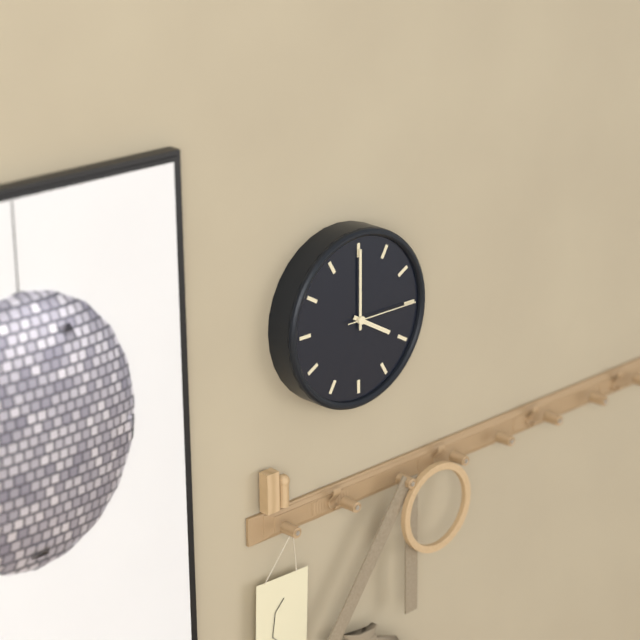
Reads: 4,00,15
